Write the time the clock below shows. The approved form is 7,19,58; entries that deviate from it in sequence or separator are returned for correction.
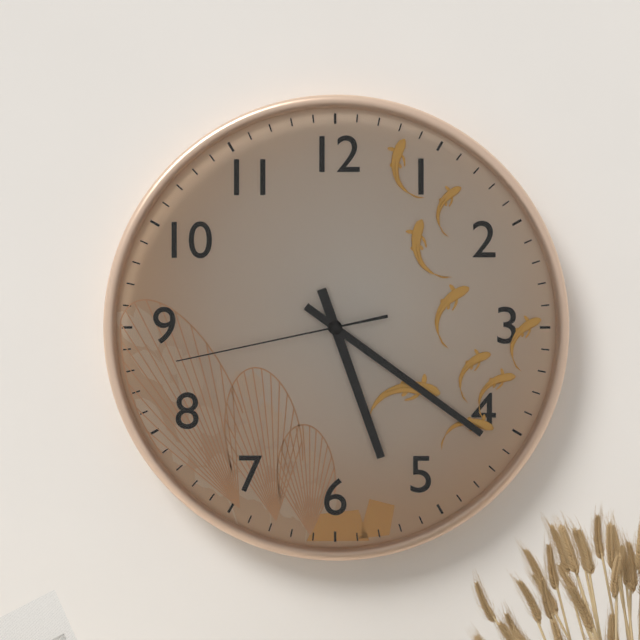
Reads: 5,21,43
